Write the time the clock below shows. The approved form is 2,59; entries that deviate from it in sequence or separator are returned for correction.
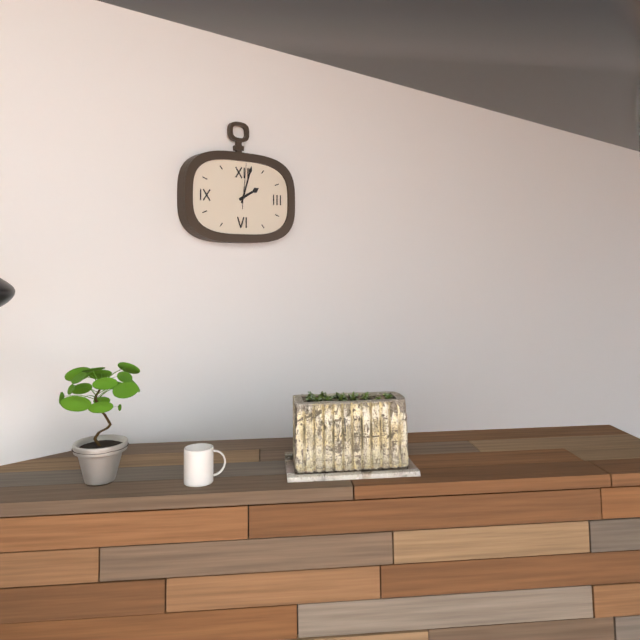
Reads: 2,03
